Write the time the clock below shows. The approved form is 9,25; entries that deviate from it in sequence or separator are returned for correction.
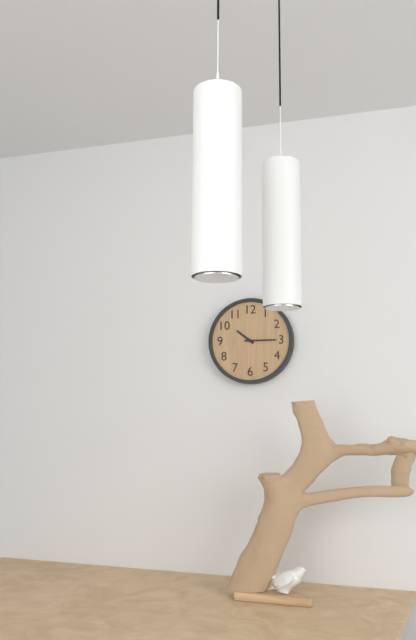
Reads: 10,15
